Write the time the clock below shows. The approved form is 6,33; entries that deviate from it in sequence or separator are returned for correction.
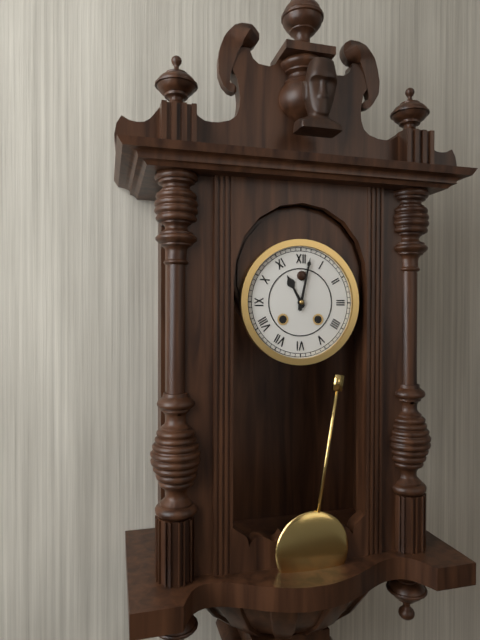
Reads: 11,02
